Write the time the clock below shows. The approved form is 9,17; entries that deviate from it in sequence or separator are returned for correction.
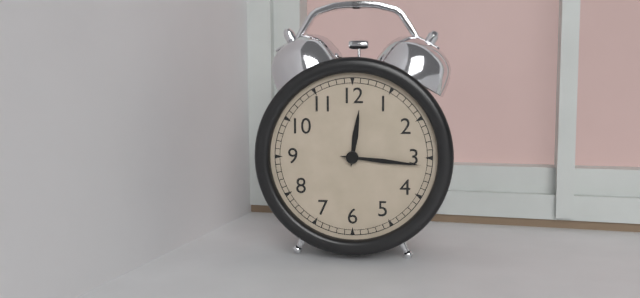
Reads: 12,16
